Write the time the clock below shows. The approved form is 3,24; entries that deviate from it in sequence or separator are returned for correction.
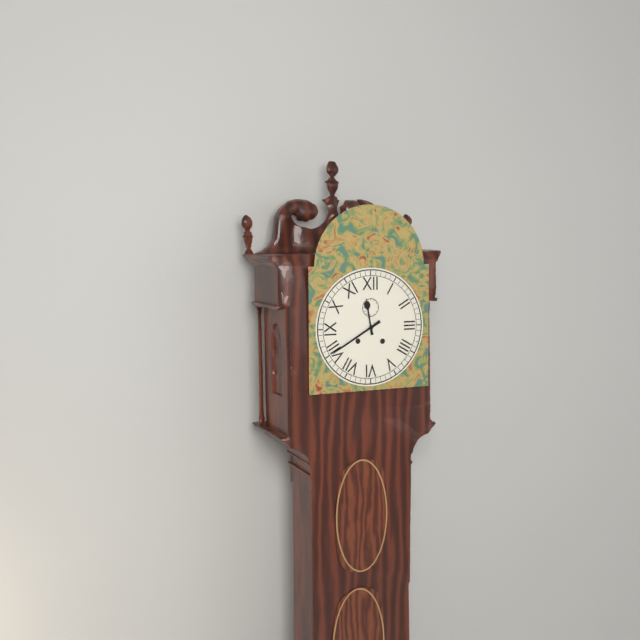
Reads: 11,40
